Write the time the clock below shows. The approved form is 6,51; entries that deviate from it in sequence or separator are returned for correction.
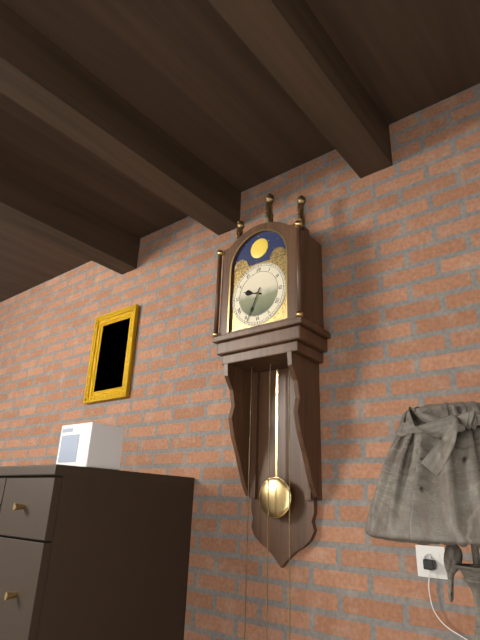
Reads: 9,34
